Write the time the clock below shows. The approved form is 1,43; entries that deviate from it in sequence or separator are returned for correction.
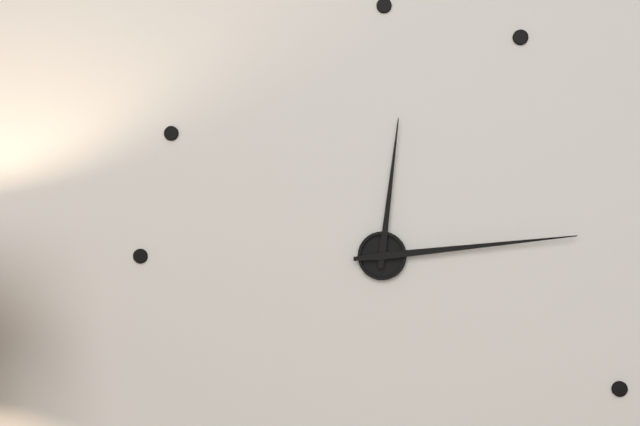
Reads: 12,14
